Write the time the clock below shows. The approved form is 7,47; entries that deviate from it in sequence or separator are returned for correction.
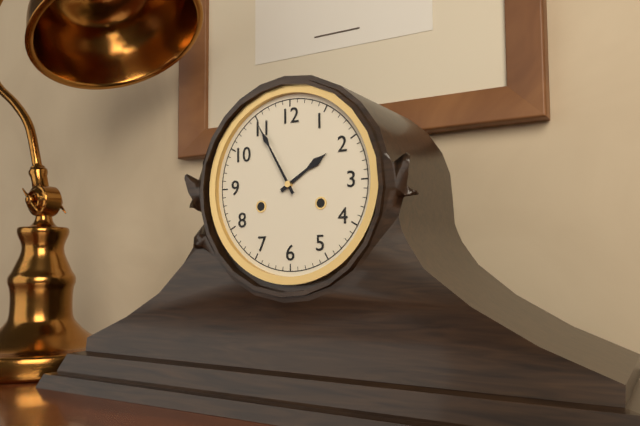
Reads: 1,55
